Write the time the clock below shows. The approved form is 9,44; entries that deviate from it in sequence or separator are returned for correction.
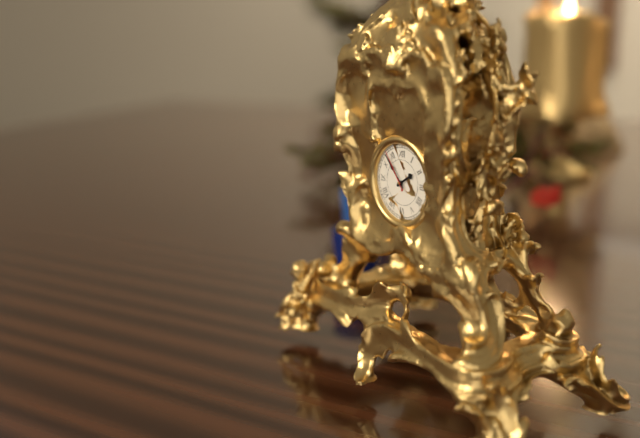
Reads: 1,53
